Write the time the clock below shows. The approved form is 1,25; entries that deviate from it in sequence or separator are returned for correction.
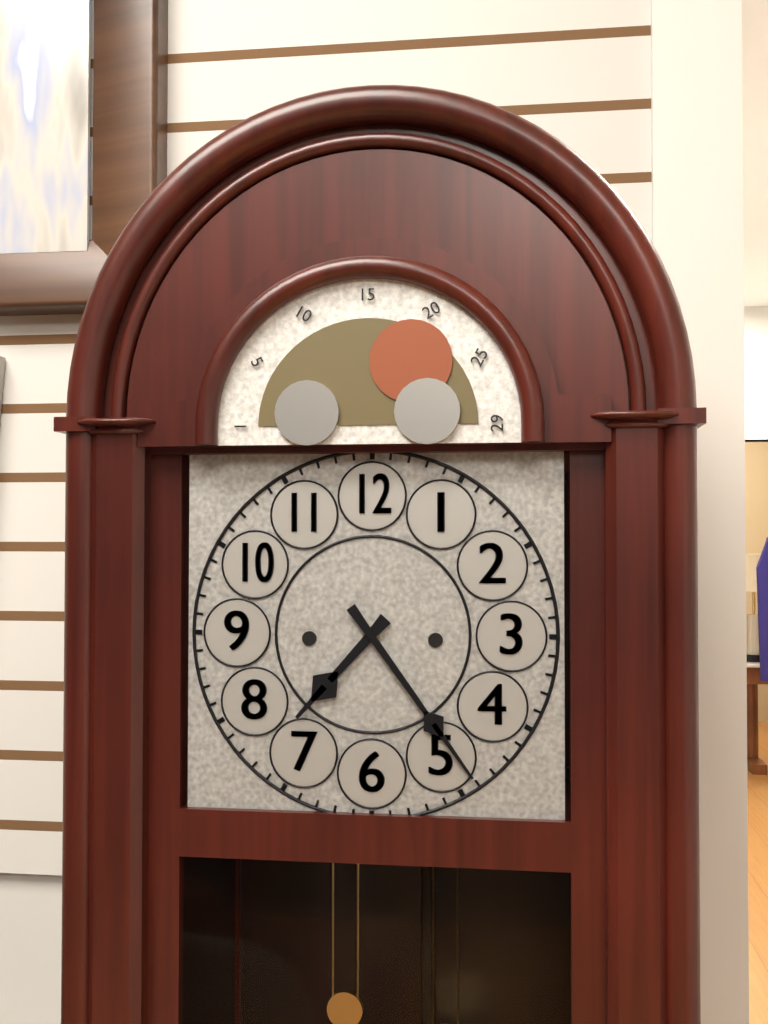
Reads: 7,24
